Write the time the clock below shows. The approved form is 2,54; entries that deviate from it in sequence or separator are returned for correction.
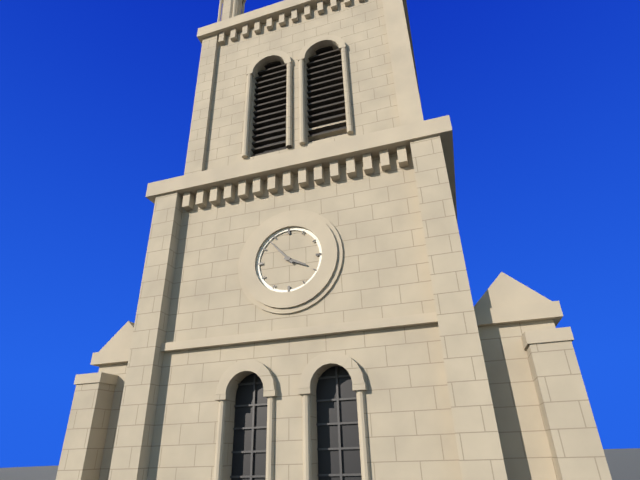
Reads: 3,53
